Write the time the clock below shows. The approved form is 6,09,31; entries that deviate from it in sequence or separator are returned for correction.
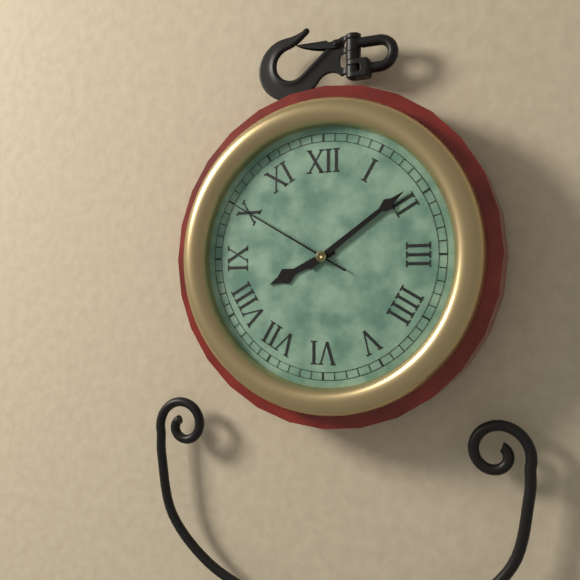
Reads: 8,09,50
